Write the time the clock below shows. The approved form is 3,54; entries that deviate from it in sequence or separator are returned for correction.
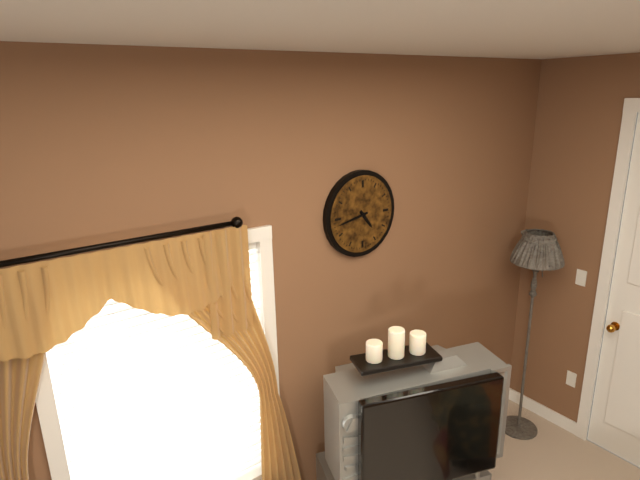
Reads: 4,43
